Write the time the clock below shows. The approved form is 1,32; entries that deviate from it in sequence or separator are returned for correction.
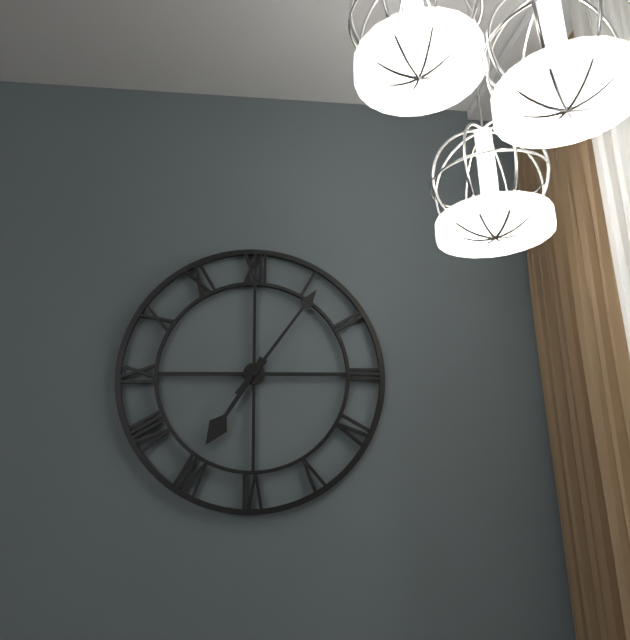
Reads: 7,06
